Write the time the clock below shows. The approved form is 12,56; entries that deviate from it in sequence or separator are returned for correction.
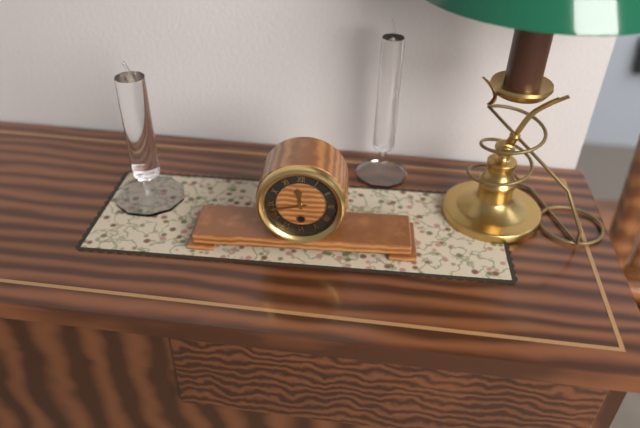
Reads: 11,43
